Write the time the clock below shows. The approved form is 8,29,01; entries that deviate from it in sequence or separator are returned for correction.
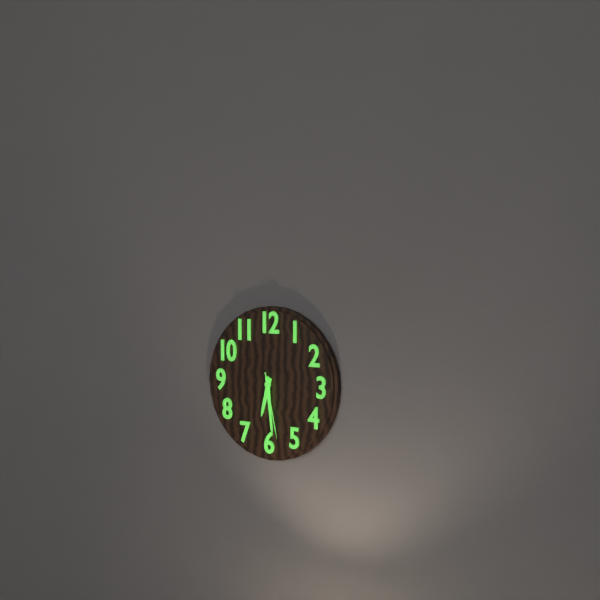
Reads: 6,29,28
